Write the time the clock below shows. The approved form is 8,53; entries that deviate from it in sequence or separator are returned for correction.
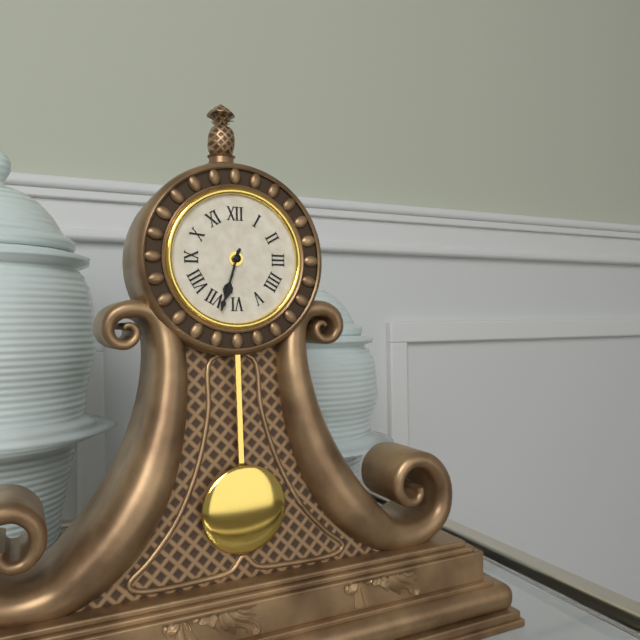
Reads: 6,33
